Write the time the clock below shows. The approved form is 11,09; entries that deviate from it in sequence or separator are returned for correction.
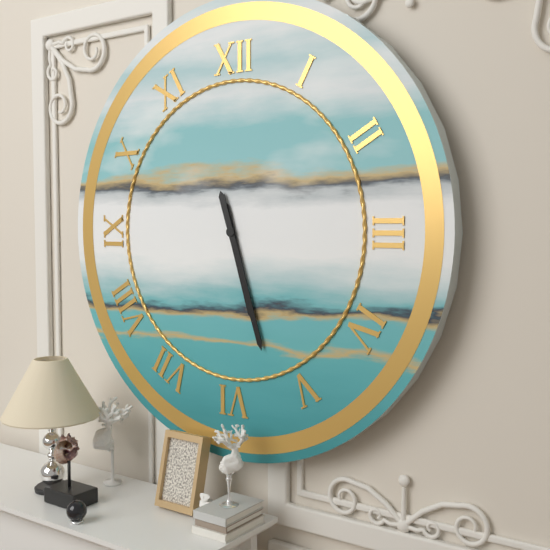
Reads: 5,27
